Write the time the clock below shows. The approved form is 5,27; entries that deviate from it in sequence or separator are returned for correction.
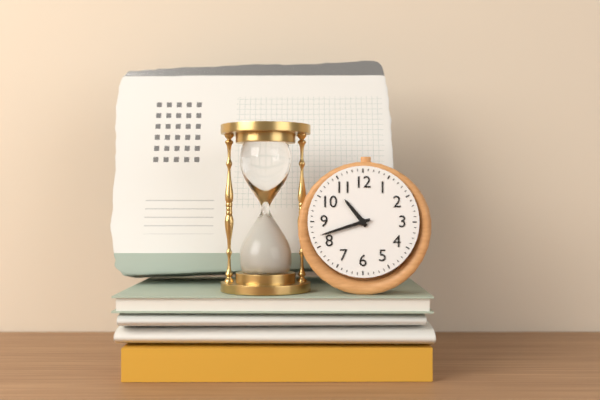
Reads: 10,42
